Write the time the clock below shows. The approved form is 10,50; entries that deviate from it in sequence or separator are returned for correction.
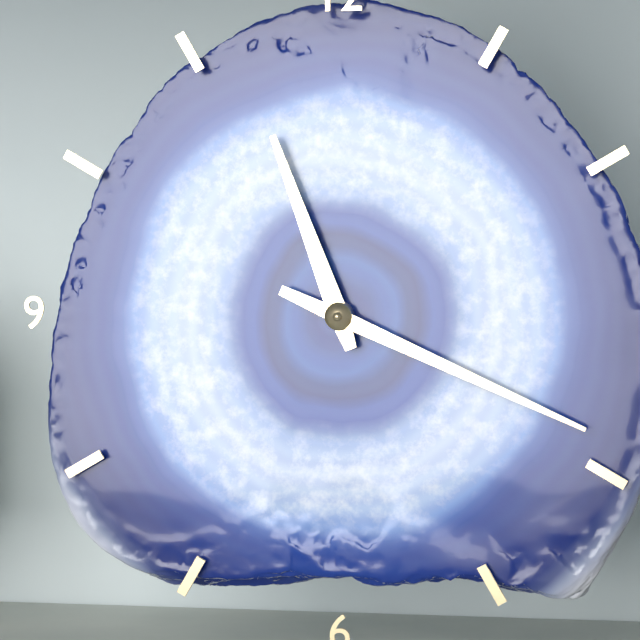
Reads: 11,19
